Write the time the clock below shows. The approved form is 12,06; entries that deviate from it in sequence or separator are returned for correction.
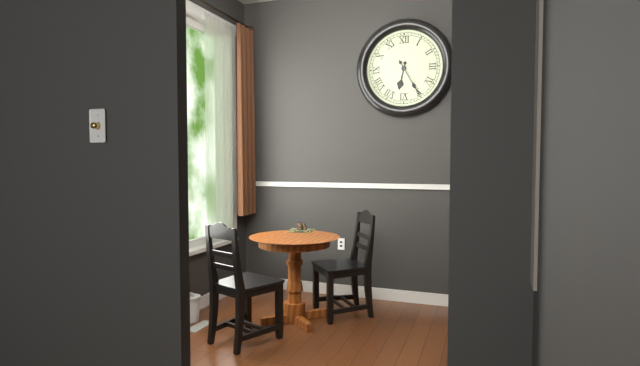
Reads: 6,25
